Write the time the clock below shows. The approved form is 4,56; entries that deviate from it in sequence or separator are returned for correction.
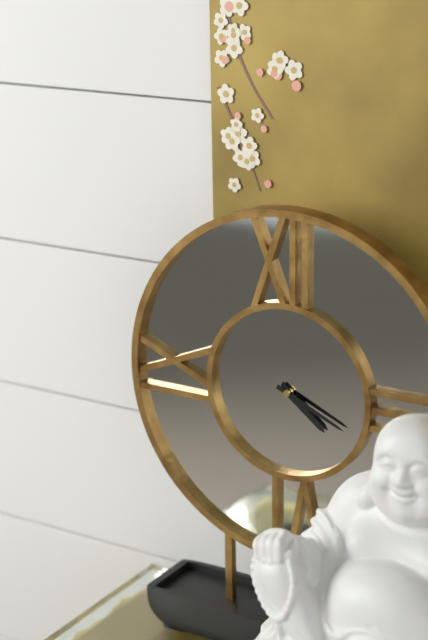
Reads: 4,19
